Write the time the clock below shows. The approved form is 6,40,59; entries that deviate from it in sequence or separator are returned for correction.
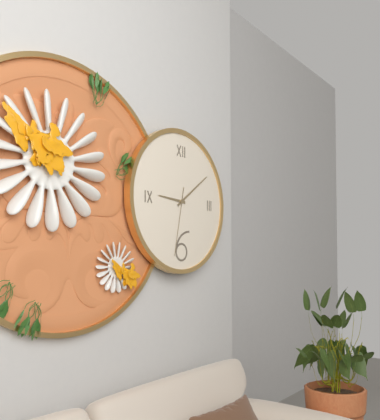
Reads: 9,09,32
